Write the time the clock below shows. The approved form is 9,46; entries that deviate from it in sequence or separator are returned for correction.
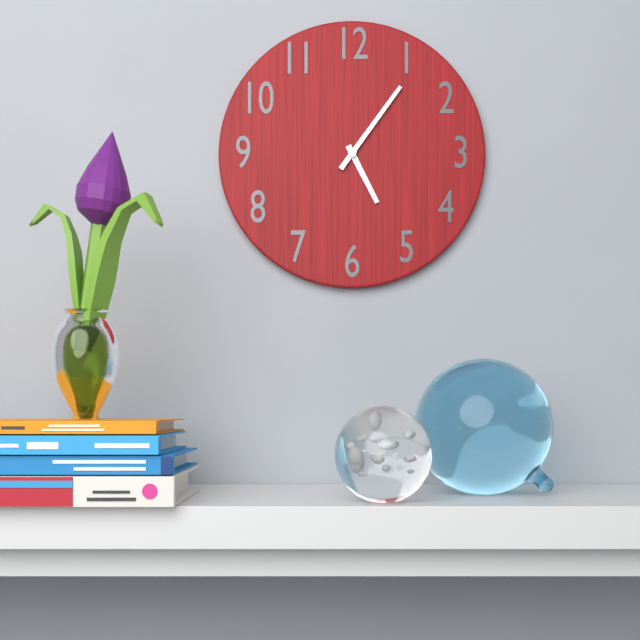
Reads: 5,06
